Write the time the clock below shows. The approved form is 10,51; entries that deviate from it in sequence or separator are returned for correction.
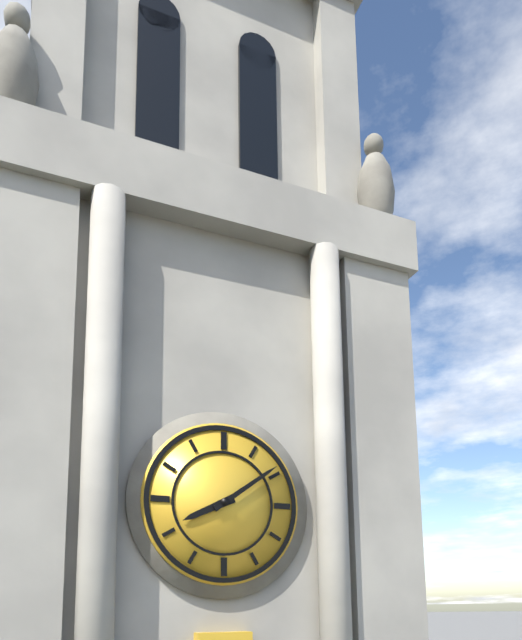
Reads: 8,09
